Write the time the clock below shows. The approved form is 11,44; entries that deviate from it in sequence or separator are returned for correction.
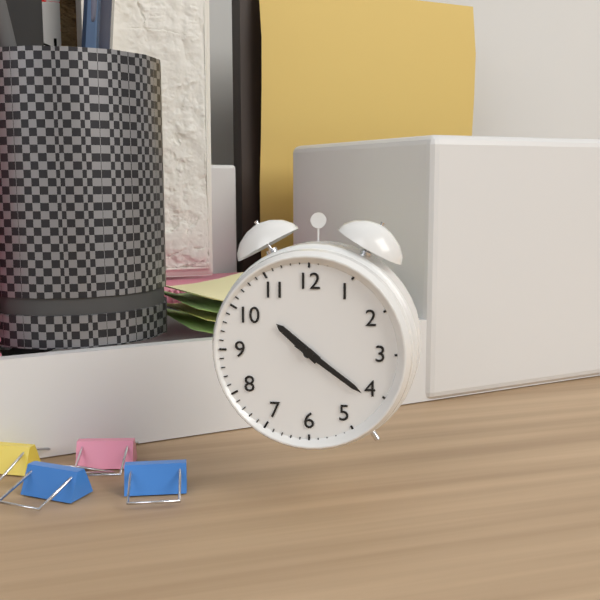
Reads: 10,21
